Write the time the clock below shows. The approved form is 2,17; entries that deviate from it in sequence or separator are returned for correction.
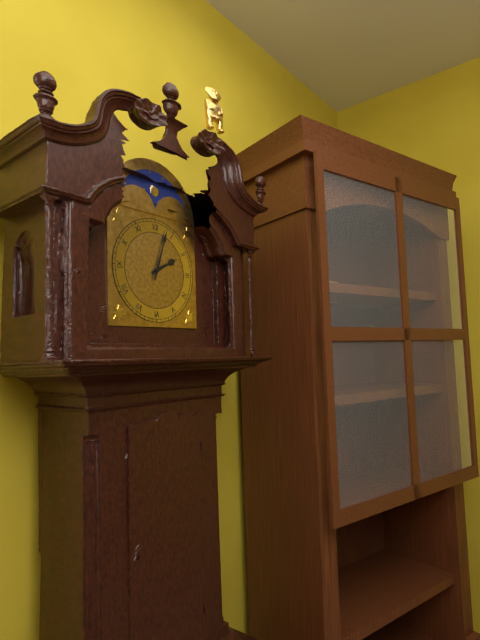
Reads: 2,03
